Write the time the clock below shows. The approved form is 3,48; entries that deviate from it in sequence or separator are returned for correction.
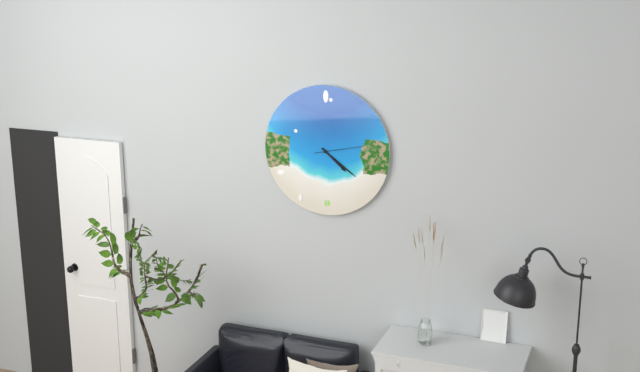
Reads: 4,21
